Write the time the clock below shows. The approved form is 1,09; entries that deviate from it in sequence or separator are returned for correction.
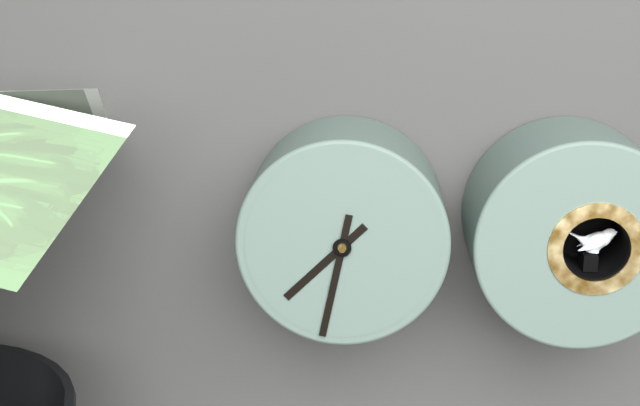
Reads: 7,32
